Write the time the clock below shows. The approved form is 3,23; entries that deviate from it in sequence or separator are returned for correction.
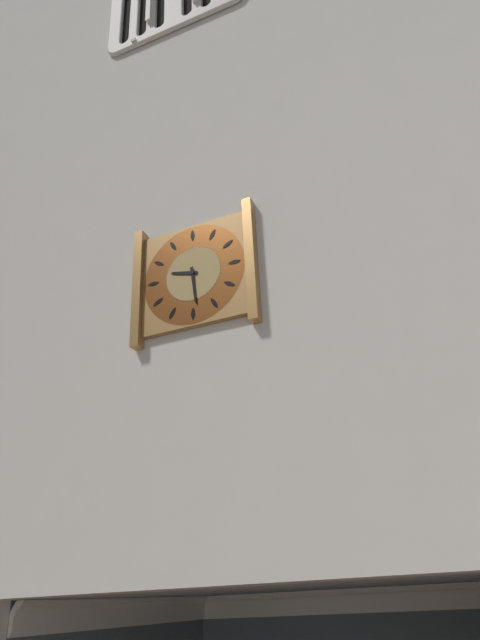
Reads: 9,29
